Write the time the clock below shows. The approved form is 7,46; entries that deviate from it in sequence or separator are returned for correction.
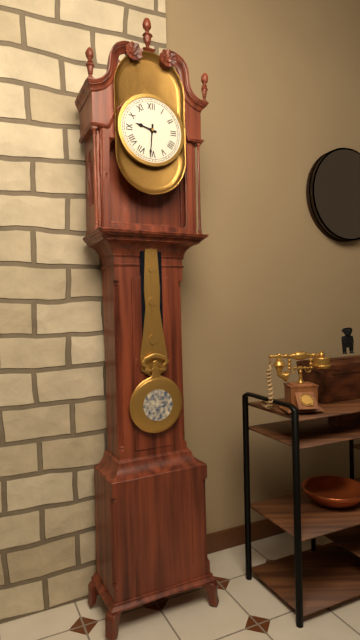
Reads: 9,31
